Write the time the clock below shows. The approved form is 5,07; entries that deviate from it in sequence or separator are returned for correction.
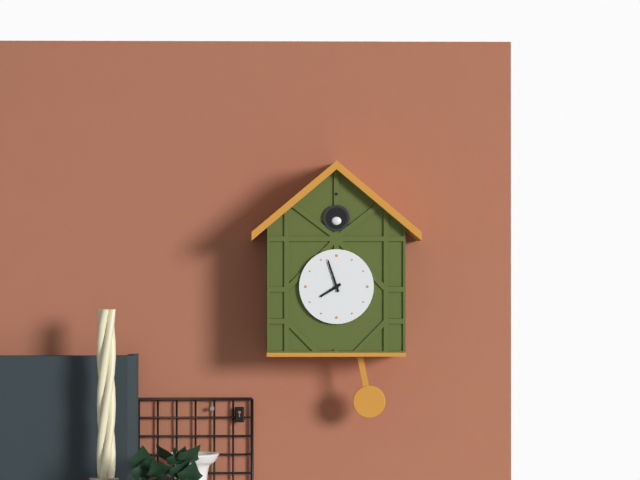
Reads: 7,57
